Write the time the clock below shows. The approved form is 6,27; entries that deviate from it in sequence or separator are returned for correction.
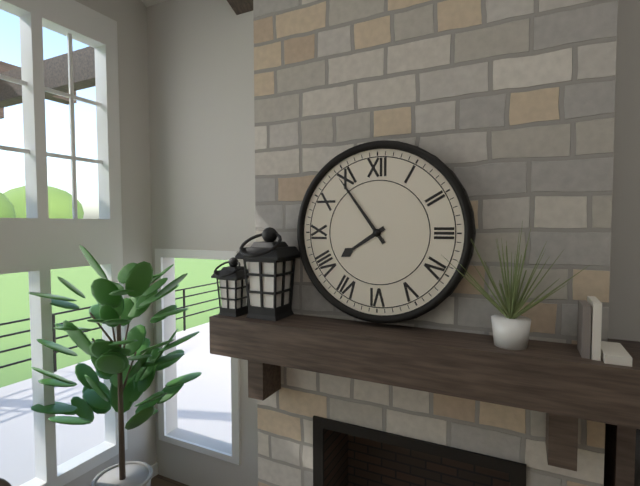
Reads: 7,54
